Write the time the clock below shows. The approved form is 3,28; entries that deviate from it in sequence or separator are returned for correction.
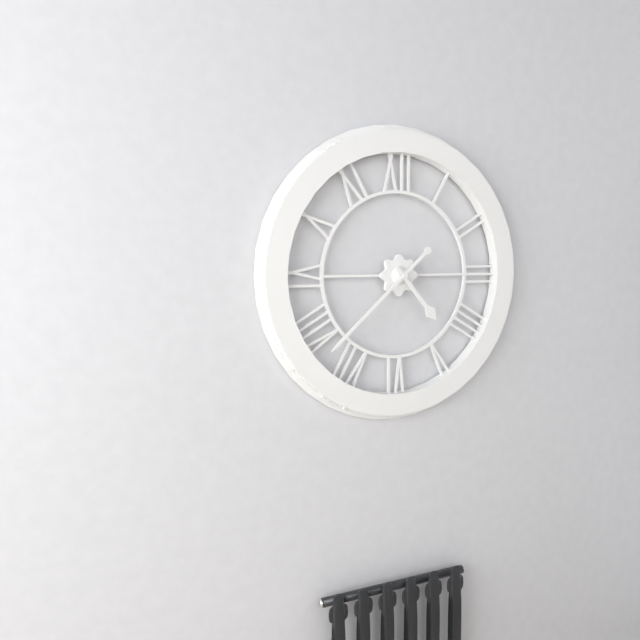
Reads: 4,38
